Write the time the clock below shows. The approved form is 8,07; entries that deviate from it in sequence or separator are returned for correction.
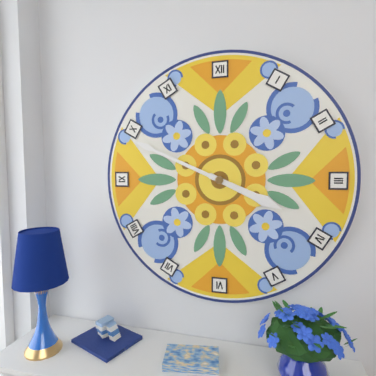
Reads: 3,49
